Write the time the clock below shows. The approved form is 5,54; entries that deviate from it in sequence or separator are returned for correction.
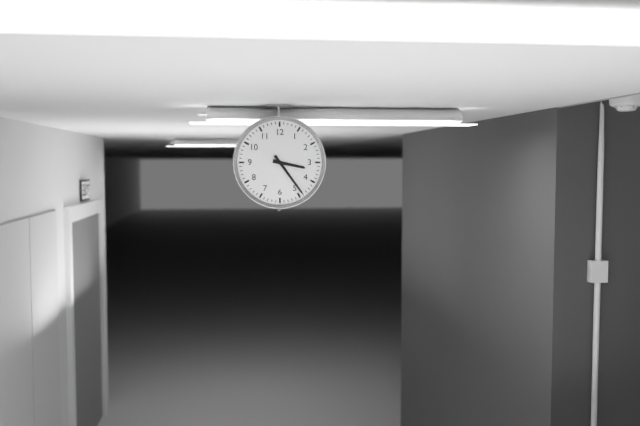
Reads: 3,24
